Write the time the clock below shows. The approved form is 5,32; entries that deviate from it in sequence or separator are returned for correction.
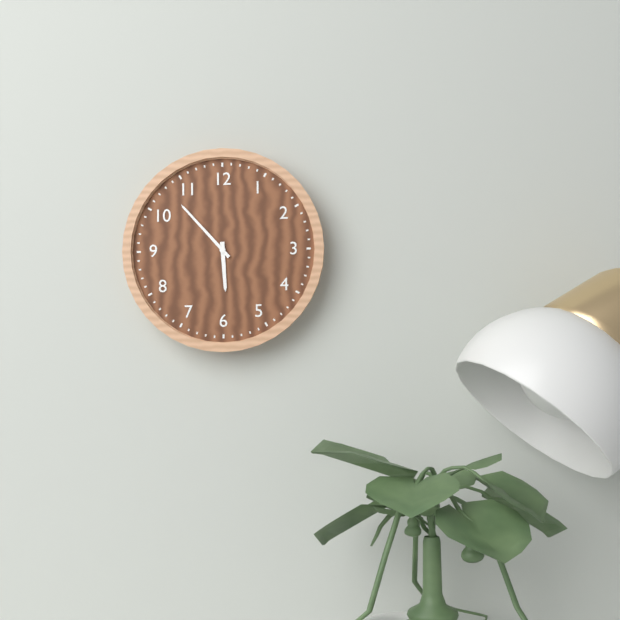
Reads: 5,53
